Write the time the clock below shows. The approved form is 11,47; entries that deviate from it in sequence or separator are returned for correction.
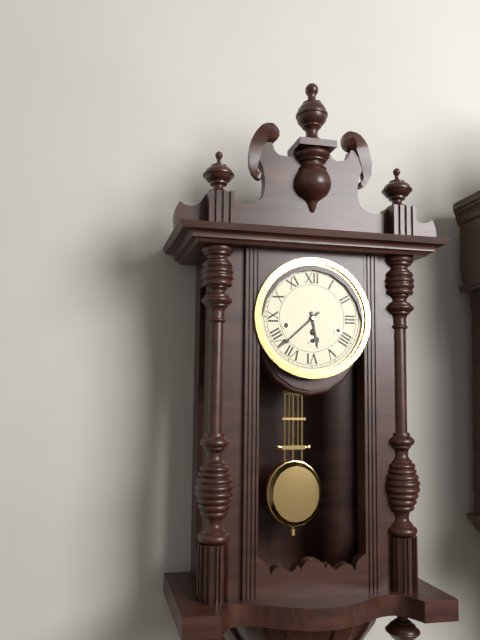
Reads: 5,38
